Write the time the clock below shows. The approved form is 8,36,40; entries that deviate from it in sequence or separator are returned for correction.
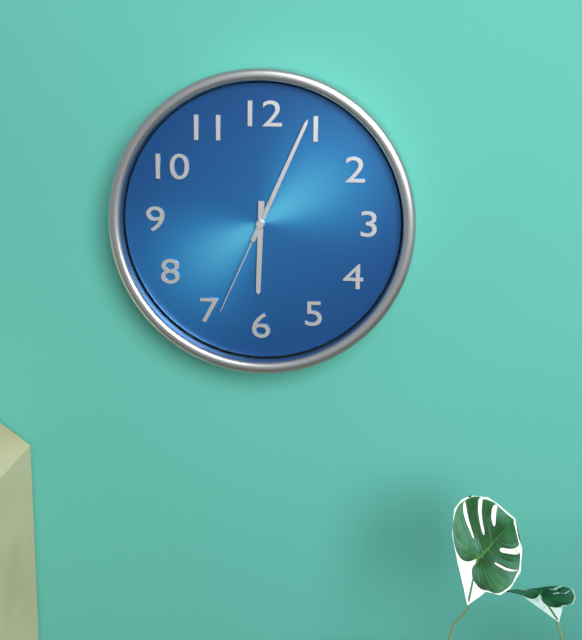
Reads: 6,04,34
